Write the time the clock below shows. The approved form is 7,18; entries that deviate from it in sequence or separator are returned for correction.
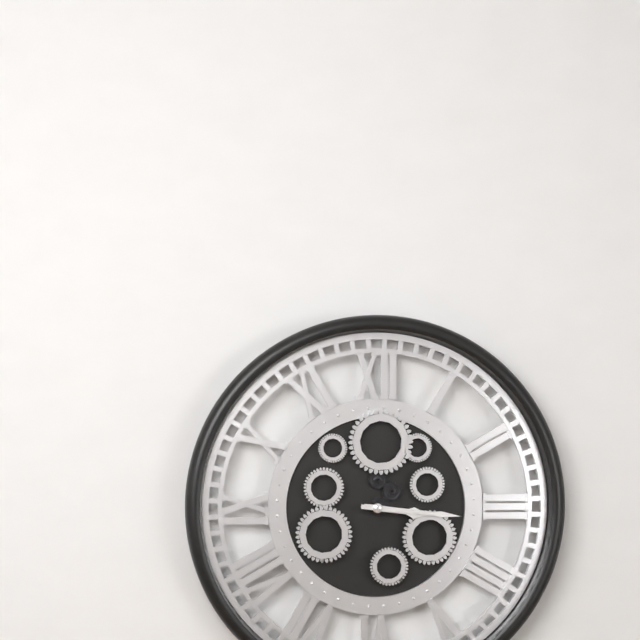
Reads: 3,16
